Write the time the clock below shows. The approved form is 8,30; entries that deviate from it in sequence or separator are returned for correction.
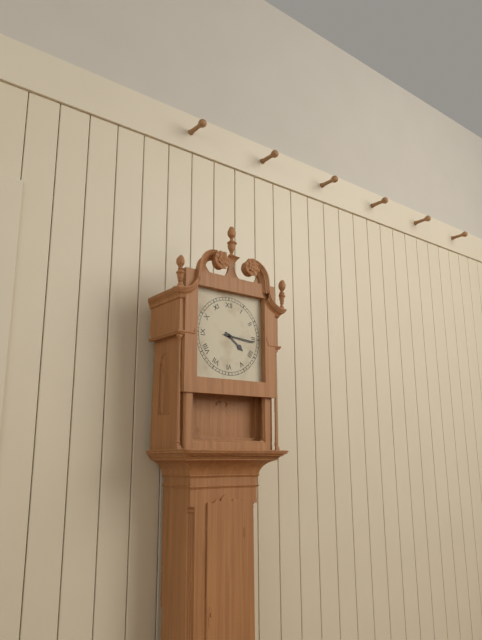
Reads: 4,16
